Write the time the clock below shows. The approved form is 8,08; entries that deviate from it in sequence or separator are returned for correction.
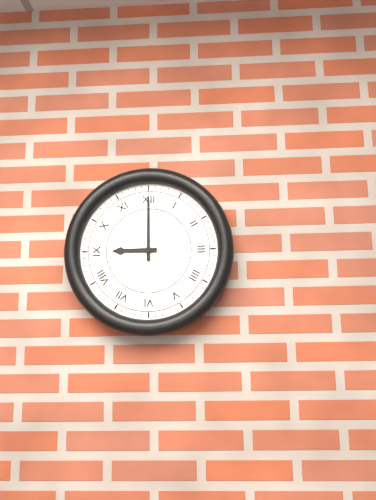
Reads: 9,00
